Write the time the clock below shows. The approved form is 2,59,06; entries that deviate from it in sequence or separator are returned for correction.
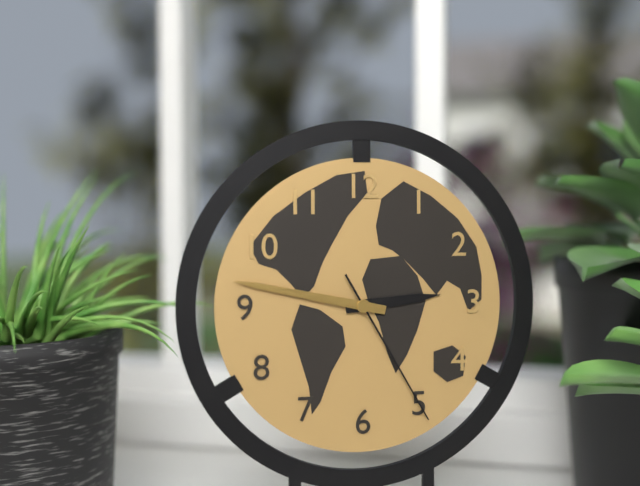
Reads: 2,47,25
